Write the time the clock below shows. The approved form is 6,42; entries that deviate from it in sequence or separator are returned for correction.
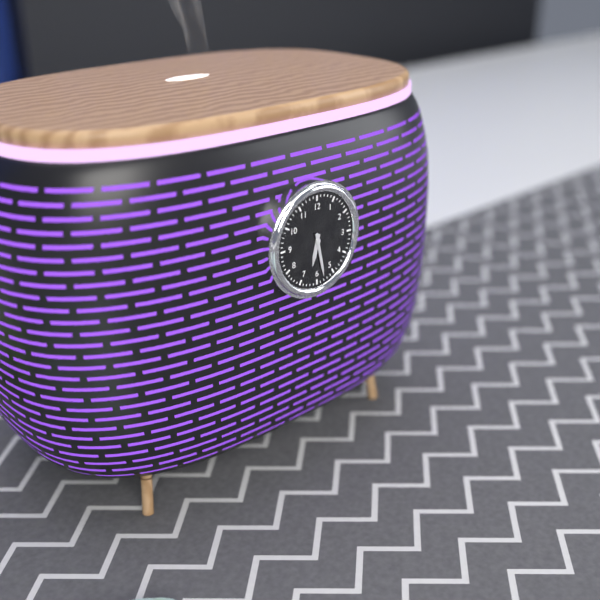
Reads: 6,28
